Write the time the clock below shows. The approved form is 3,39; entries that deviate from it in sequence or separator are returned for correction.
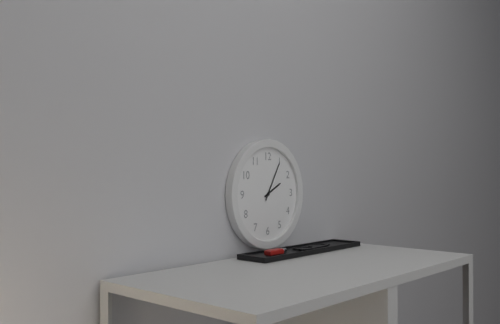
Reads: 2,05
